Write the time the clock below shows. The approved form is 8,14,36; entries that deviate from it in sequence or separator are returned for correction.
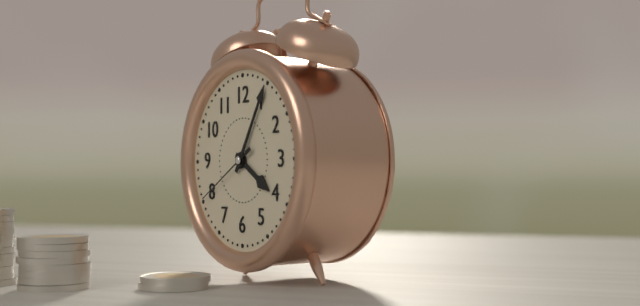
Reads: 4,05,40
